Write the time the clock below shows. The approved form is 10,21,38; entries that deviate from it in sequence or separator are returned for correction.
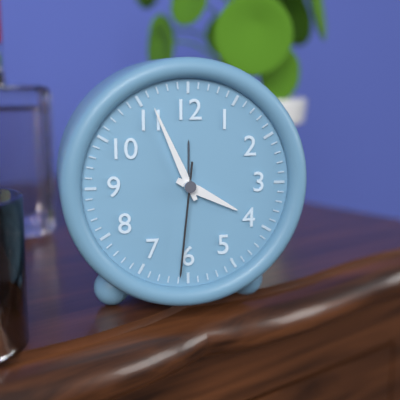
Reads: 3,56,31
